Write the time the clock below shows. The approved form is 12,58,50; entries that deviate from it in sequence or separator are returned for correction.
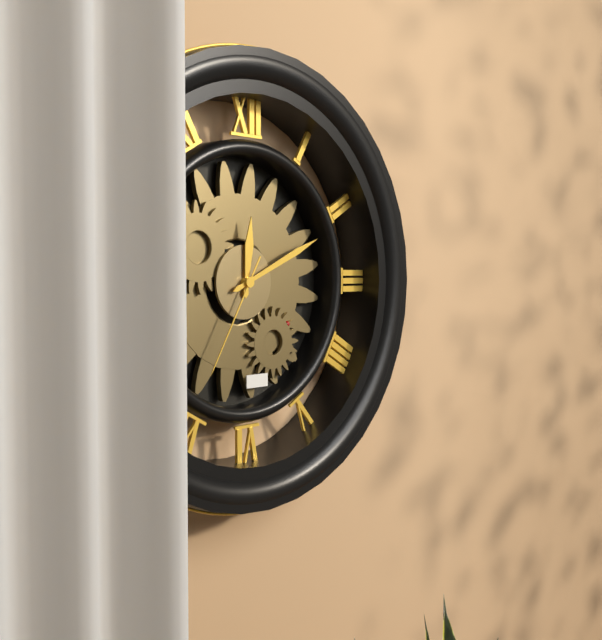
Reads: 12,11,35
